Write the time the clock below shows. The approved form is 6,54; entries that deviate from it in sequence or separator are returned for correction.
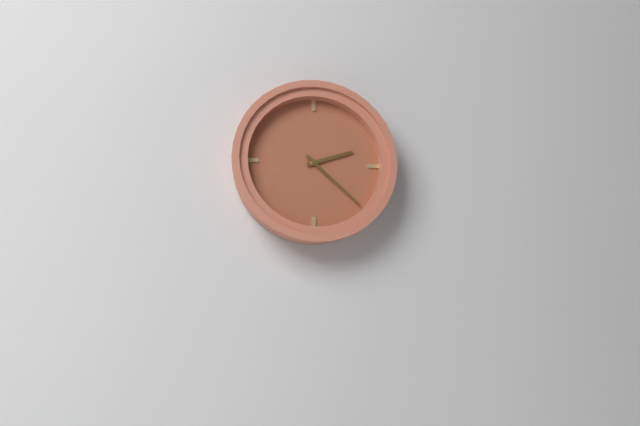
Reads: 2,22
